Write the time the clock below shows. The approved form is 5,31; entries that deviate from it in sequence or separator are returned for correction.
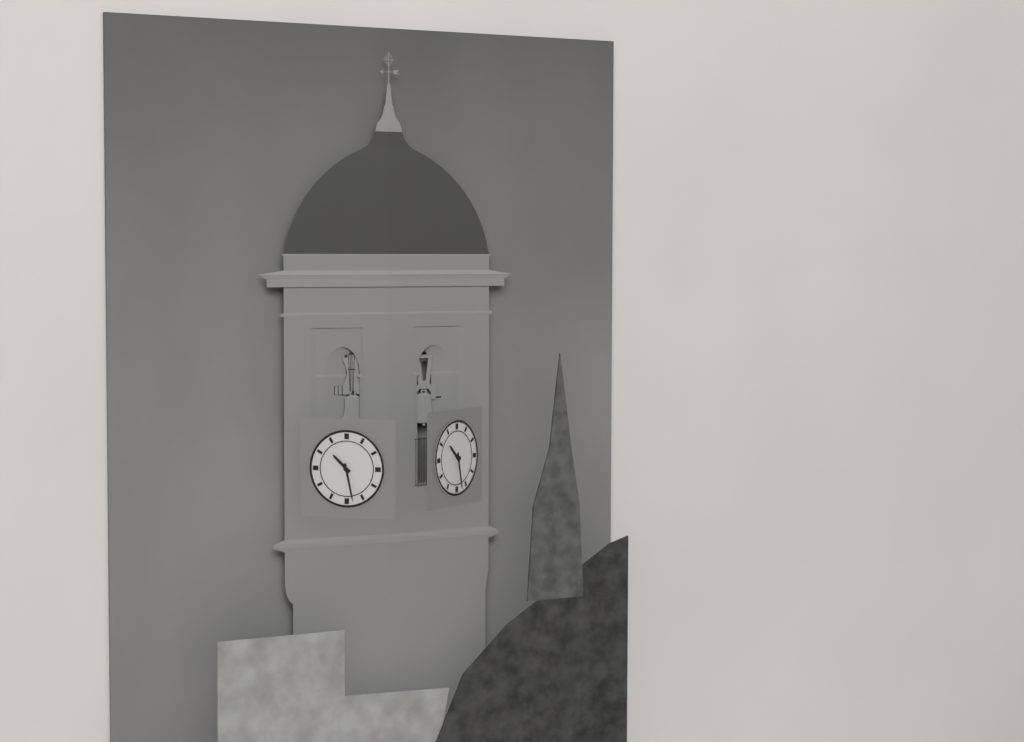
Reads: 10,28
